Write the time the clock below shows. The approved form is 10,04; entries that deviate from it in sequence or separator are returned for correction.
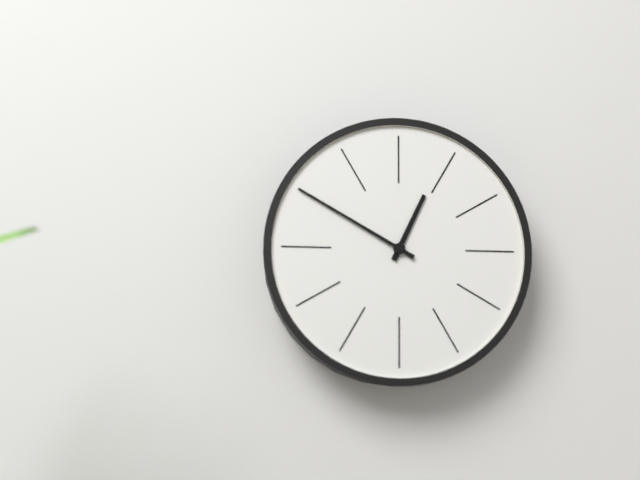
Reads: 12,50
